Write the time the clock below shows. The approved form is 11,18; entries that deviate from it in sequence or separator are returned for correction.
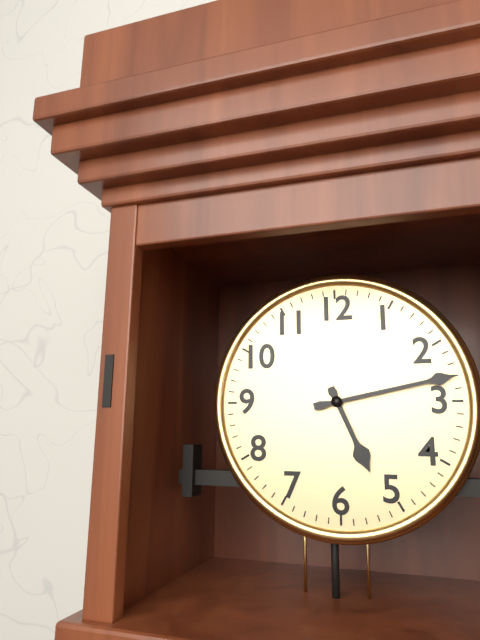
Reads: 5,13
